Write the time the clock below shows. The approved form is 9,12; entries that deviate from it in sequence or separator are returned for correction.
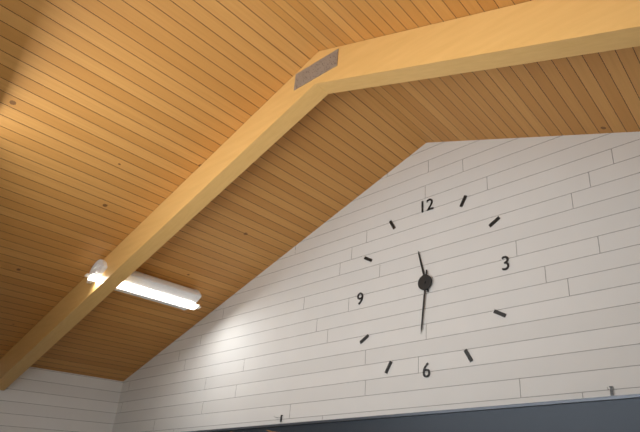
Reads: 11,31
